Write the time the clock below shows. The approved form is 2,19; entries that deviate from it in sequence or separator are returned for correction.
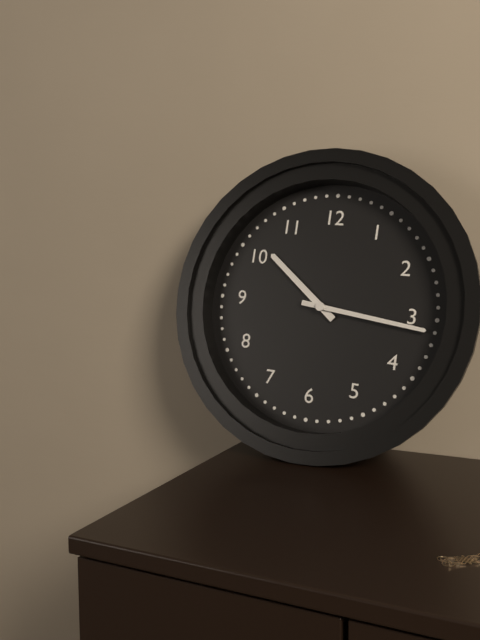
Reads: 10,16
